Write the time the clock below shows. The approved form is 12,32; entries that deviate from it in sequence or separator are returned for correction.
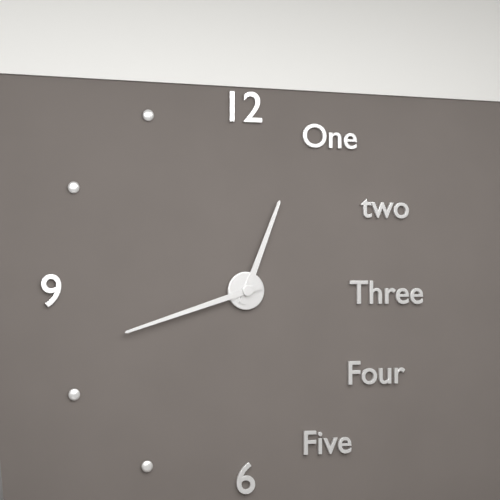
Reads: 12,42
